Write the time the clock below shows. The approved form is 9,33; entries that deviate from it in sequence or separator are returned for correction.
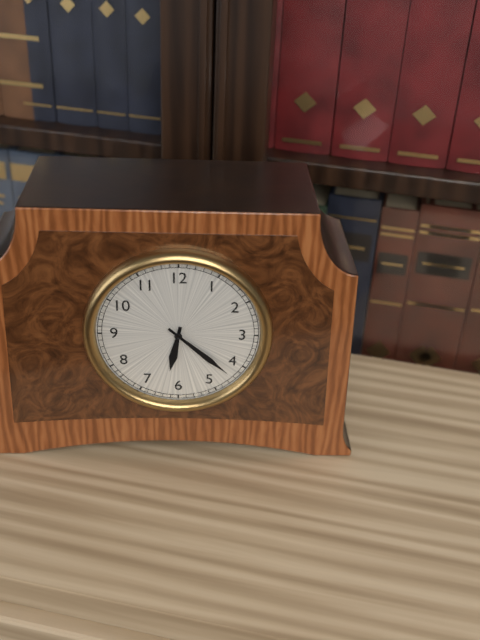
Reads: 6,22
